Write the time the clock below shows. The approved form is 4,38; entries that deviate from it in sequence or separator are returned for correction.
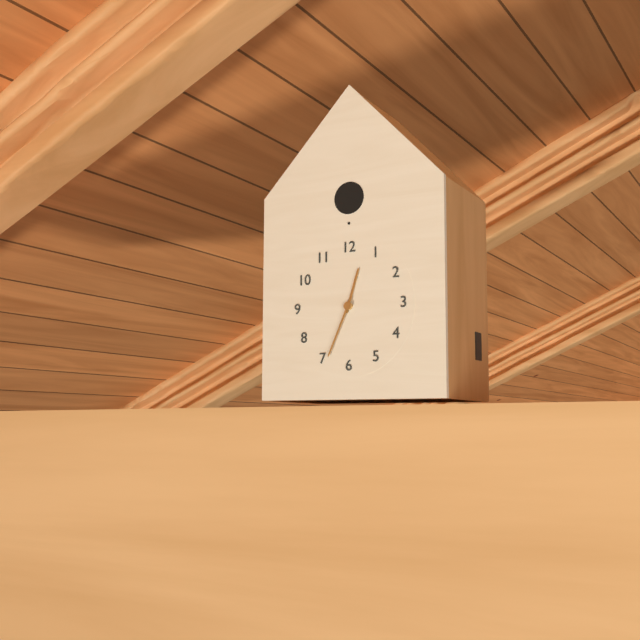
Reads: 12,34
